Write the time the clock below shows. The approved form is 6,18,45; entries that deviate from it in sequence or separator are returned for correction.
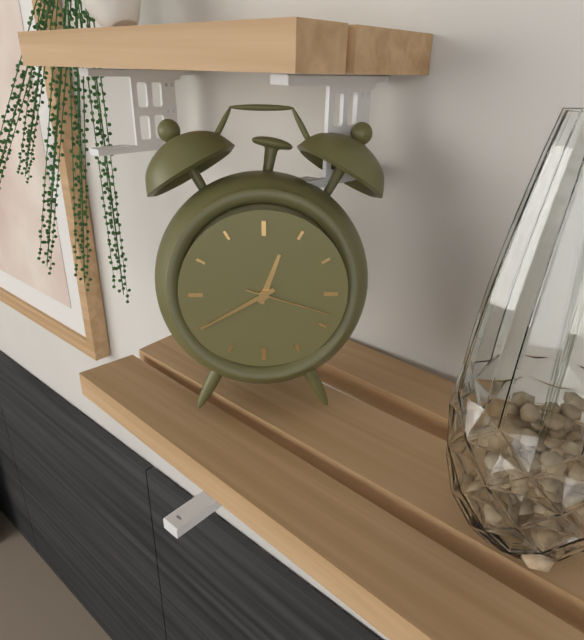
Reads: 12,40,18
